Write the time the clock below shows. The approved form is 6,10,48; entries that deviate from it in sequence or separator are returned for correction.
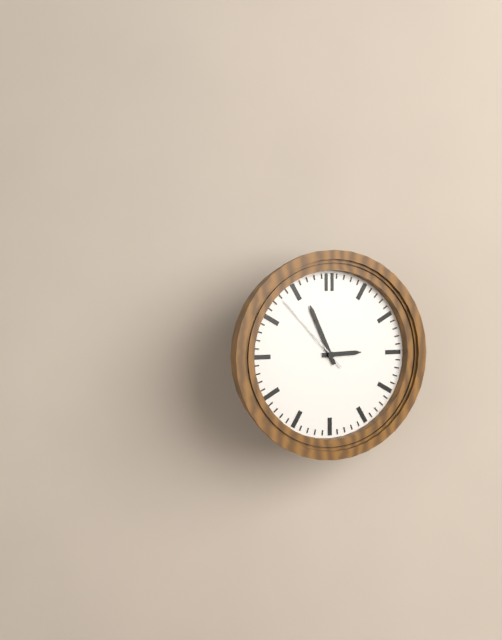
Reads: 2,56,53
